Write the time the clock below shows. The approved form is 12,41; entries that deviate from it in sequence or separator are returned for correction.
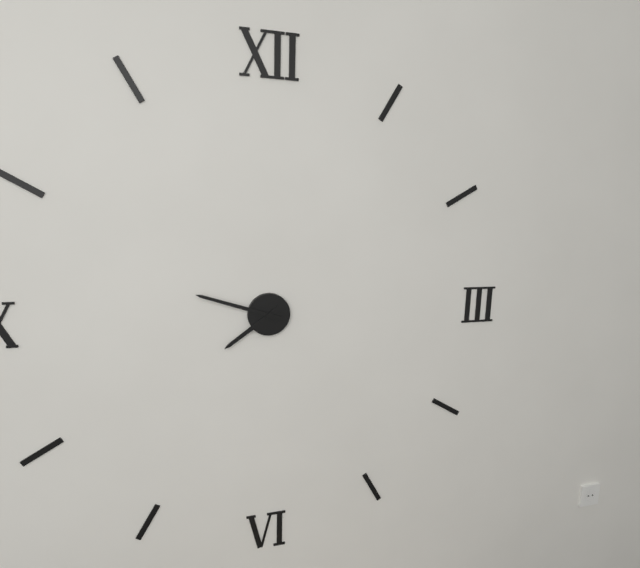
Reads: 7,48
